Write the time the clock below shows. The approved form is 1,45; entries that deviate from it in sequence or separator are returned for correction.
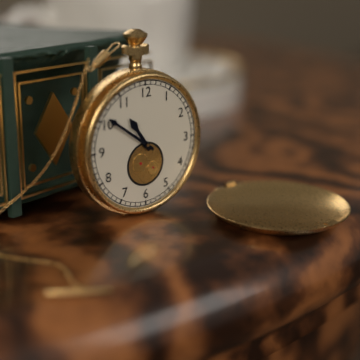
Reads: 10,51
